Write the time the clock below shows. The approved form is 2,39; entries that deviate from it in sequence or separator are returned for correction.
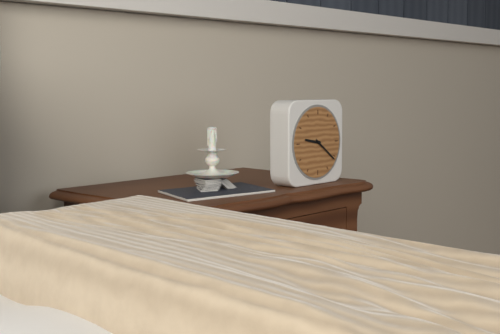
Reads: 9,21
